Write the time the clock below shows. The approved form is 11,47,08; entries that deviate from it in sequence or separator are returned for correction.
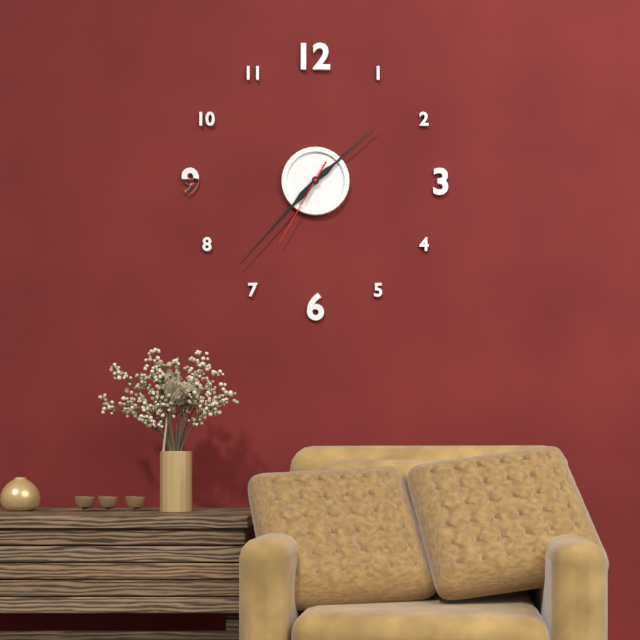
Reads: 1,37,35
